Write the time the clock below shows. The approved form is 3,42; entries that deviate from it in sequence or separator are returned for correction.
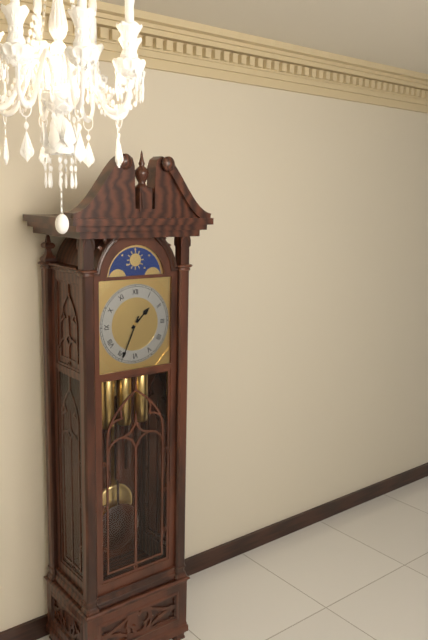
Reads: 1,34
